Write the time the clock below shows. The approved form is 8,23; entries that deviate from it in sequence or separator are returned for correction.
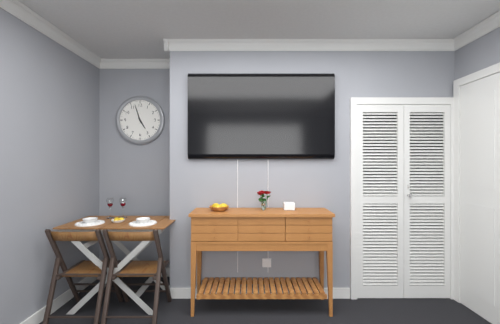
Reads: 4,57
